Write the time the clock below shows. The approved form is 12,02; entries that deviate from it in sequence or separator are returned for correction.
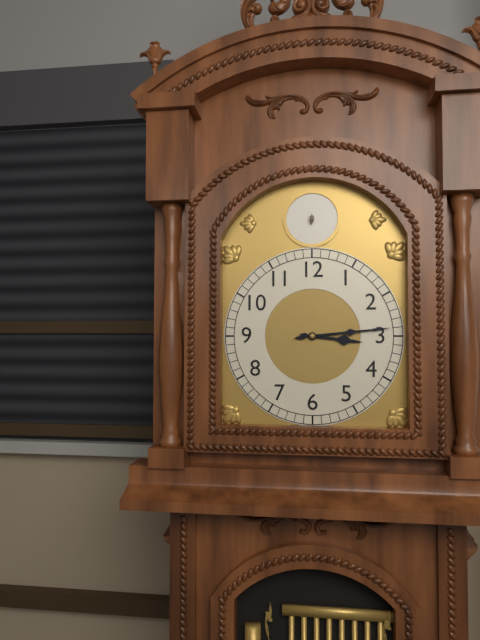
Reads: 3,14
